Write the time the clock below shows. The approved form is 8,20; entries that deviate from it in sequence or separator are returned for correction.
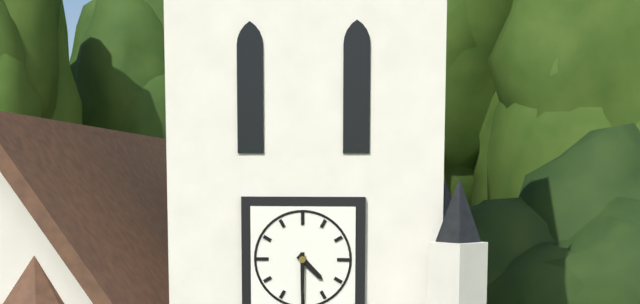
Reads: 4,30
